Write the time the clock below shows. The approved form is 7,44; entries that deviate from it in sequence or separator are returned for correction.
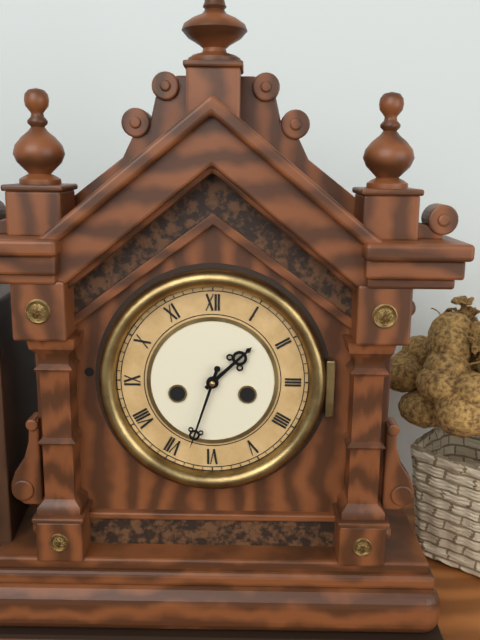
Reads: 1,33
